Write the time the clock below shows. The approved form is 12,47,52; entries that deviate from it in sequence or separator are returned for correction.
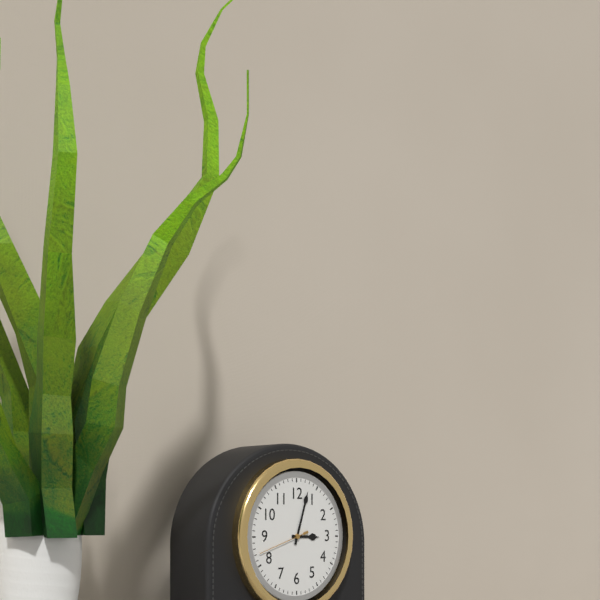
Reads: 3,03,42
